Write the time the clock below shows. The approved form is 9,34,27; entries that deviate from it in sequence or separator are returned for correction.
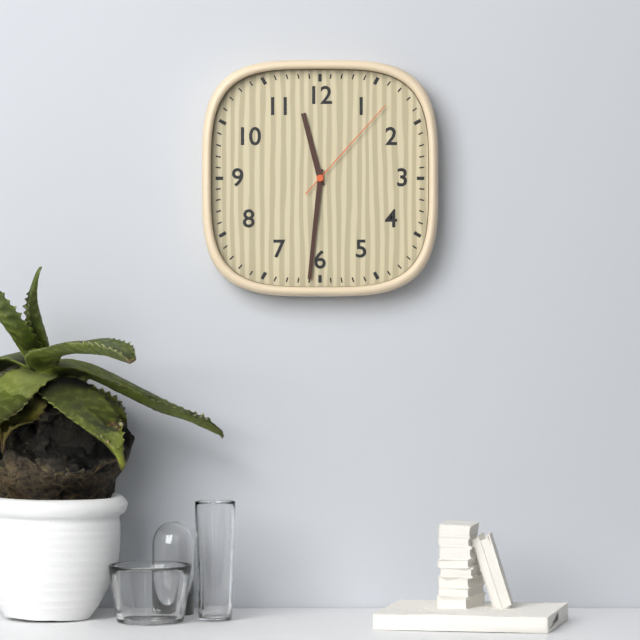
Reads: 11,31,07
